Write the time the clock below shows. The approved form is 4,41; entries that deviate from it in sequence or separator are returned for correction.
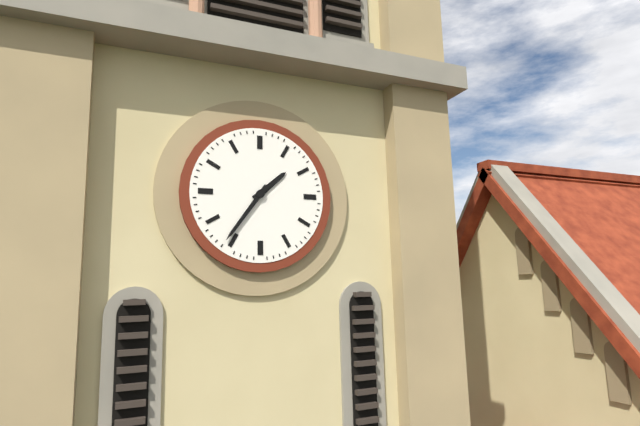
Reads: 1,36
